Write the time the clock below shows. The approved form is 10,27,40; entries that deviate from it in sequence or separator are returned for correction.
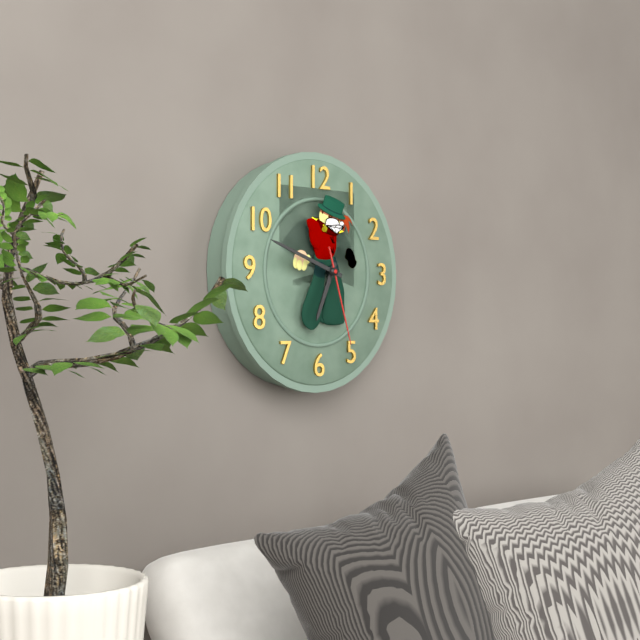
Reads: 6,48,27
